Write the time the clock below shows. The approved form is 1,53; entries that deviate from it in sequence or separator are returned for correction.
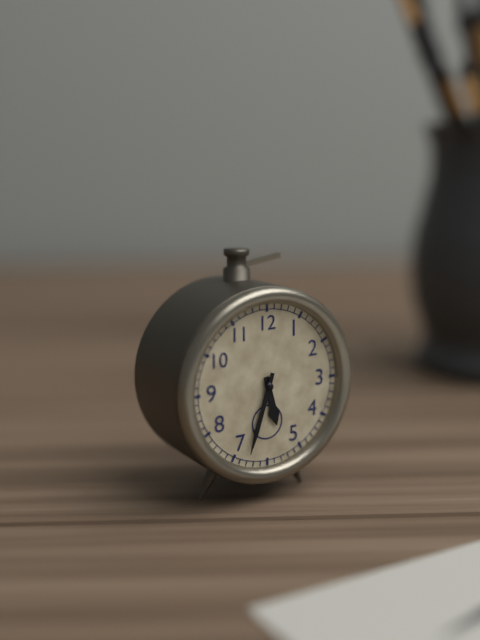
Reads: 5,33
